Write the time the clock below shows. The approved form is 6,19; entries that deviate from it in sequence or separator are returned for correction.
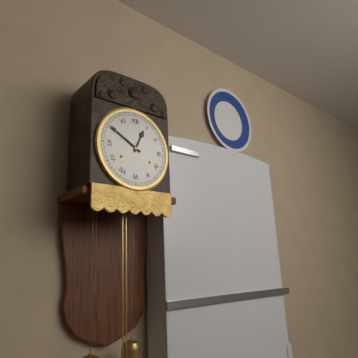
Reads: 12,50
